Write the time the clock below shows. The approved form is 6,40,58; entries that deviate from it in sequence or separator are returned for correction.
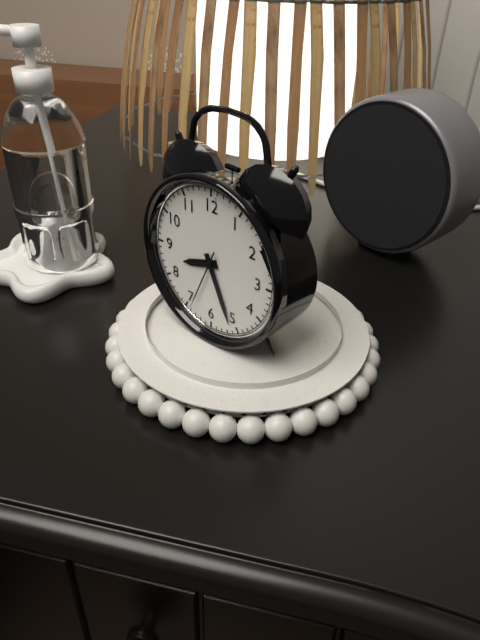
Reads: 8,26,34
